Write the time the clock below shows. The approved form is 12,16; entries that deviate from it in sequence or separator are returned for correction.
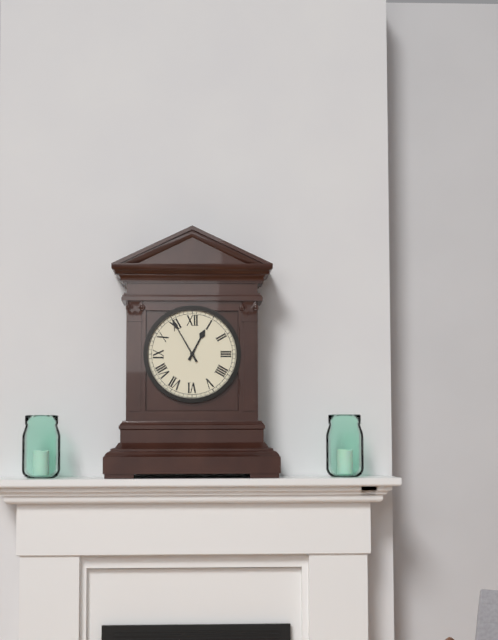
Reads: 12,55
